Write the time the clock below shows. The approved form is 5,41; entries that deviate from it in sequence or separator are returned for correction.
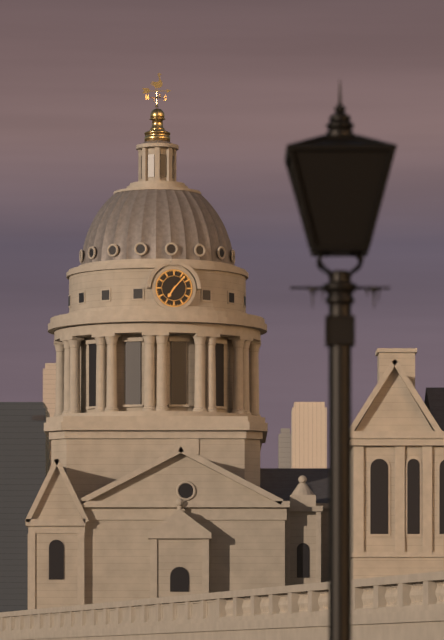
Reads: 7,07
